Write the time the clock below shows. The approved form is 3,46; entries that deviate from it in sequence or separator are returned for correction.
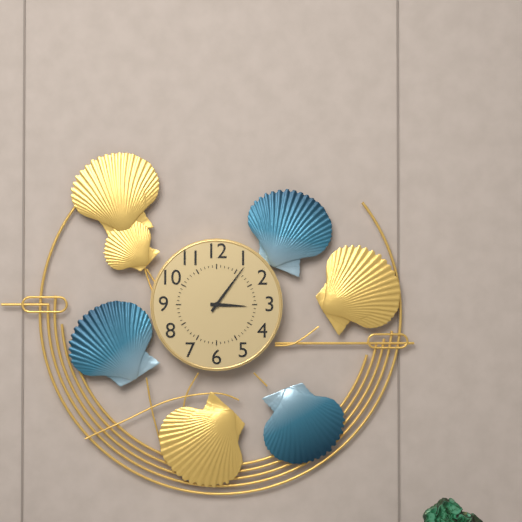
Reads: 3,06
